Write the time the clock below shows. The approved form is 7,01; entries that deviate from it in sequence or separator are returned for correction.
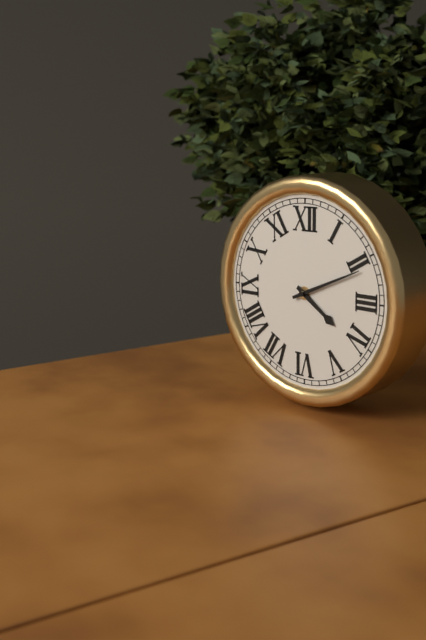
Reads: 4,11
